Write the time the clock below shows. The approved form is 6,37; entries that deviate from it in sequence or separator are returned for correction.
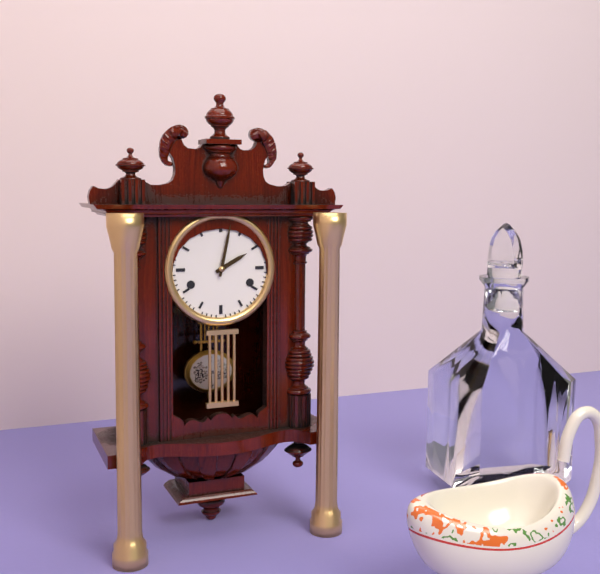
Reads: 2,02
